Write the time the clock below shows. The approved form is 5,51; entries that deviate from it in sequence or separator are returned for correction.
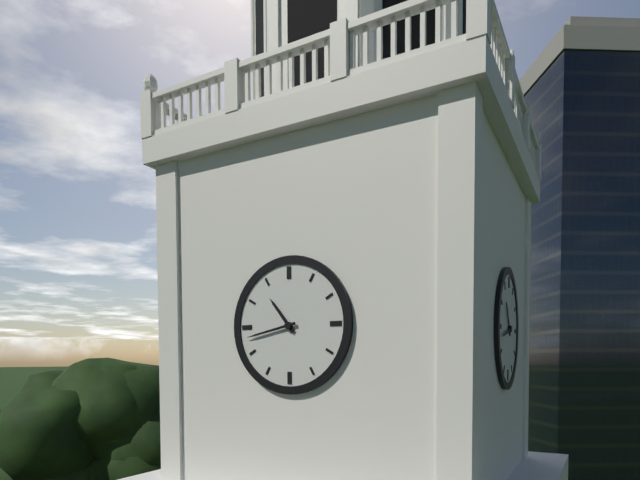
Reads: 10,43
